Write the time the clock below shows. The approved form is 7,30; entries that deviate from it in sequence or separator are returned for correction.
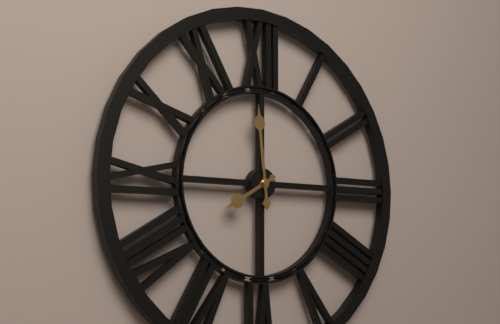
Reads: 7,59
